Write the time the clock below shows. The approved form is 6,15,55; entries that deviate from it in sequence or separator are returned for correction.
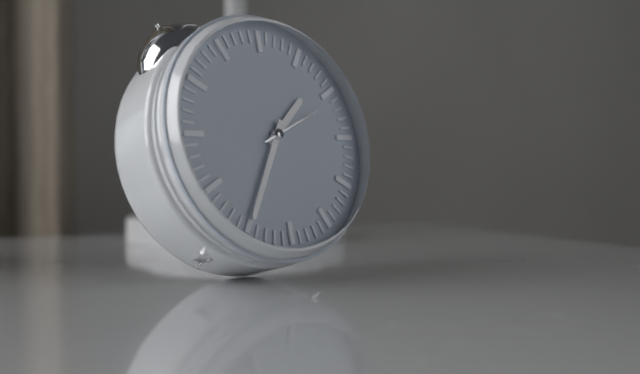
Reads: 1,35,11
